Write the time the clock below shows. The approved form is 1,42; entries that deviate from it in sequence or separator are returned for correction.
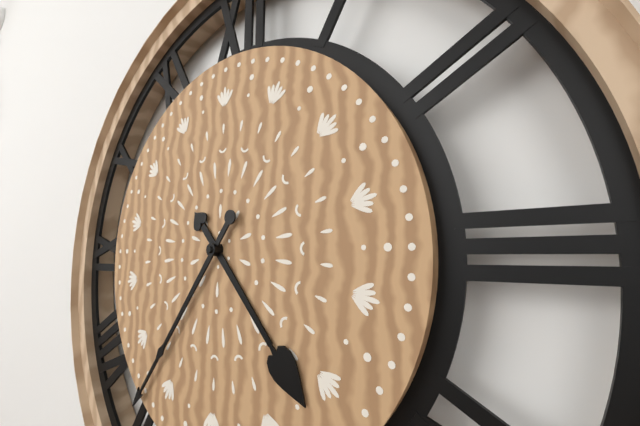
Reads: 4,36
